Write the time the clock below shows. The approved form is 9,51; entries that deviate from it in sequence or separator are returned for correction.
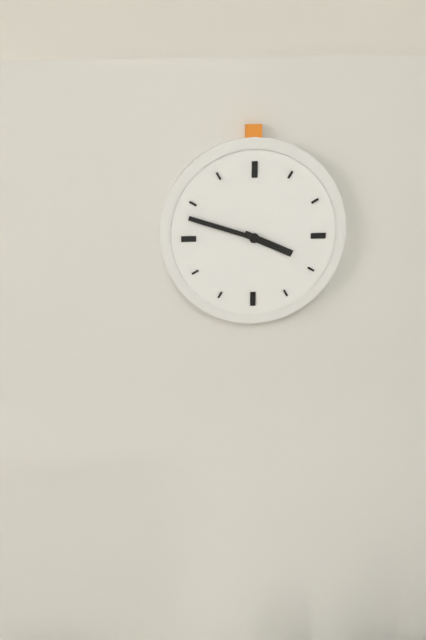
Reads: 3,48
